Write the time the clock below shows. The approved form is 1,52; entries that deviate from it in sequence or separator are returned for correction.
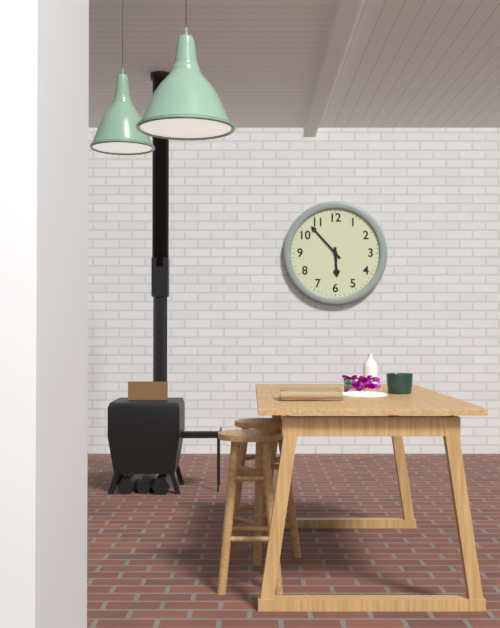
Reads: 5,53
